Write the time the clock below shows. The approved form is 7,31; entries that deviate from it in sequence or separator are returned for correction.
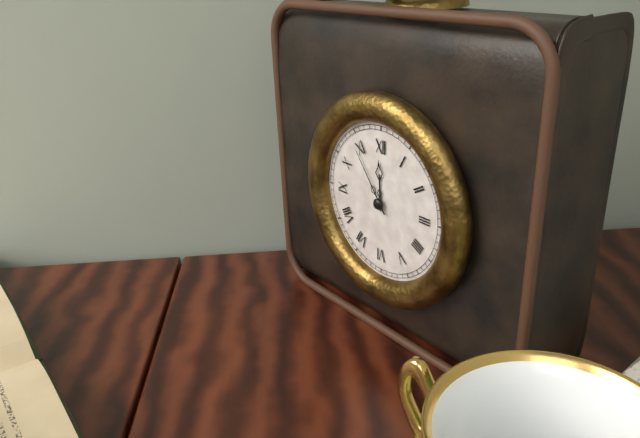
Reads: 11,54
